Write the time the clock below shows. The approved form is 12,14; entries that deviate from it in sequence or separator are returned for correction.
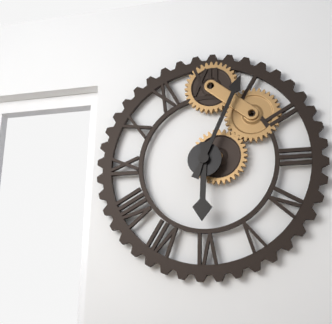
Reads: 6,04
